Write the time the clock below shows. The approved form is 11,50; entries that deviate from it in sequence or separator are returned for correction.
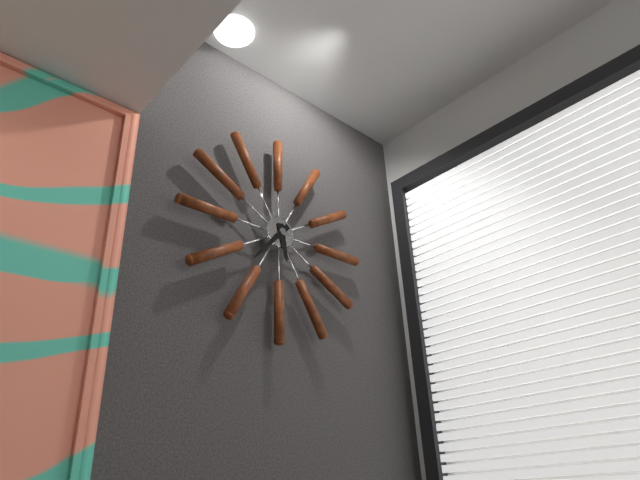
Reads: 5,37
